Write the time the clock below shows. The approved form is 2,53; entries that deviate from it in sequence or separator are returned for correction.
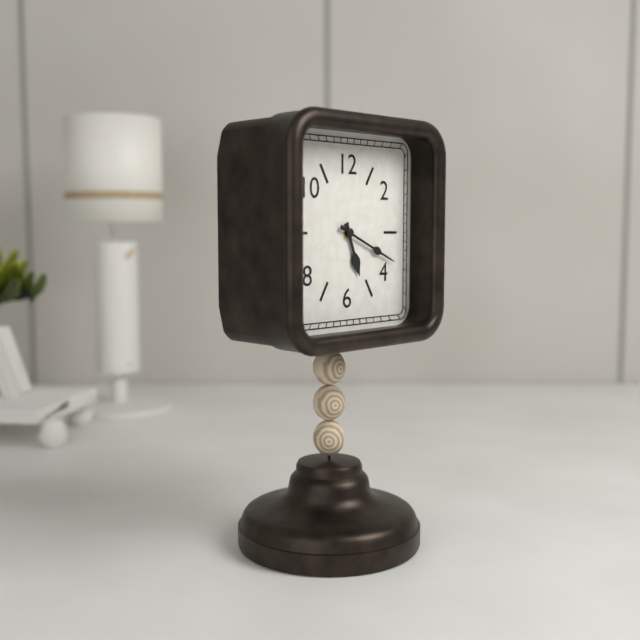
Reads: 5,19
